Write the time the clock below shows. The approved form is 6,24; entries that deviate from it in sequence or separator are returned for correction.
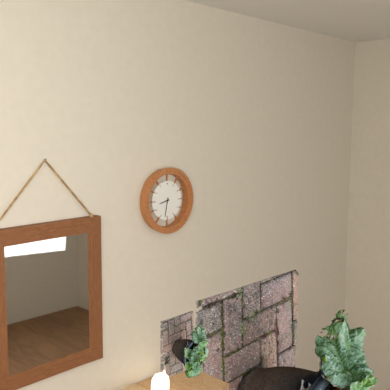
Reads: 8,32
